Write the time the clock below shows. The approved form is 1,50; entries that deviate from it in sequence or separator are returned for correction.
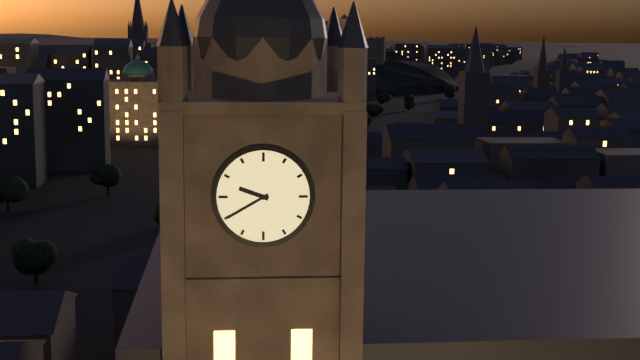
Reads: 9,40
